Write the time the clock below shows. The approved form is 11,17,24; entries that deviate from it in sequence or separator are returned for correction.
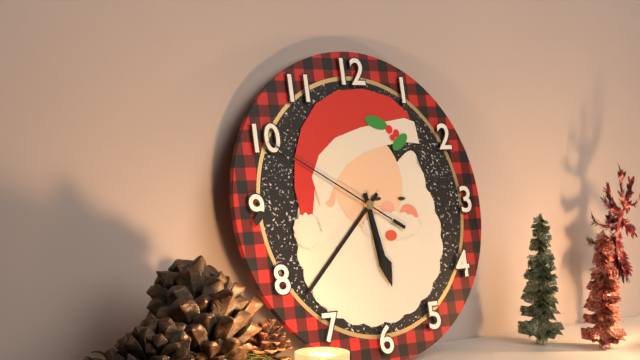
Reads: 5,38,50
